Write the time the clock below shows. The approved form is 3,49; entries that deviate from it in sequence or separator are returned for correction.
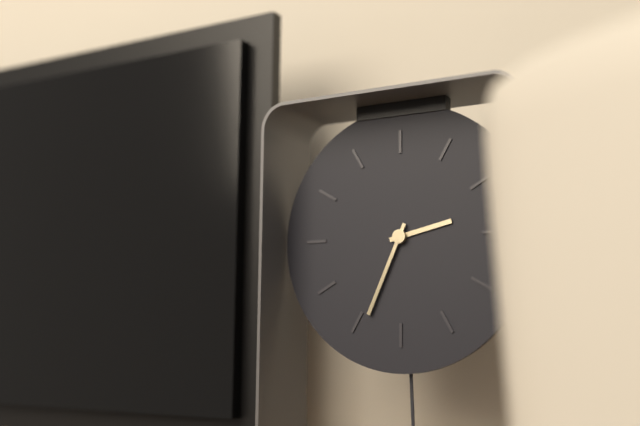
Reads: 2,34
